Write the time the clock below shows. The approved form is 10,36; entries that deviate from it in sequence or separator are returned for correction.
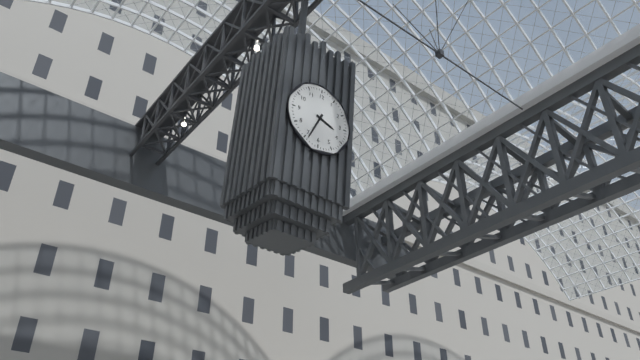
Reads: 3,34
